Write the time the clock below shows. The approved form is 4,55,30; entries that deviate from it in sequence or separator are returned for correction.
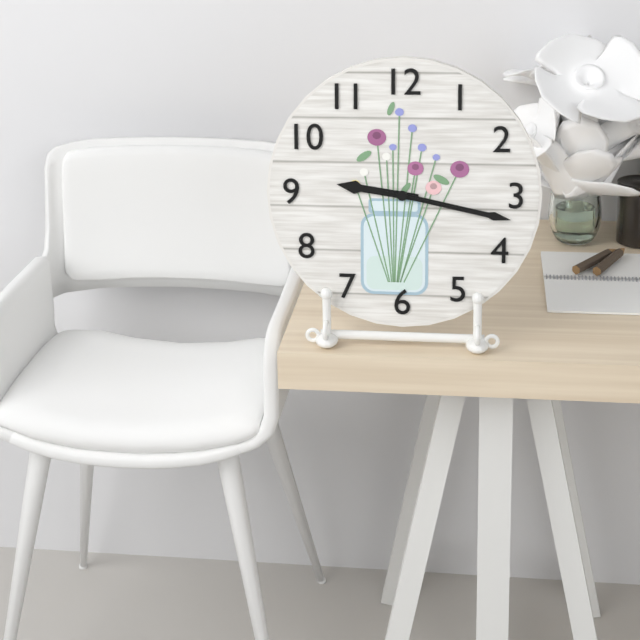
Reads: 9,17,17
